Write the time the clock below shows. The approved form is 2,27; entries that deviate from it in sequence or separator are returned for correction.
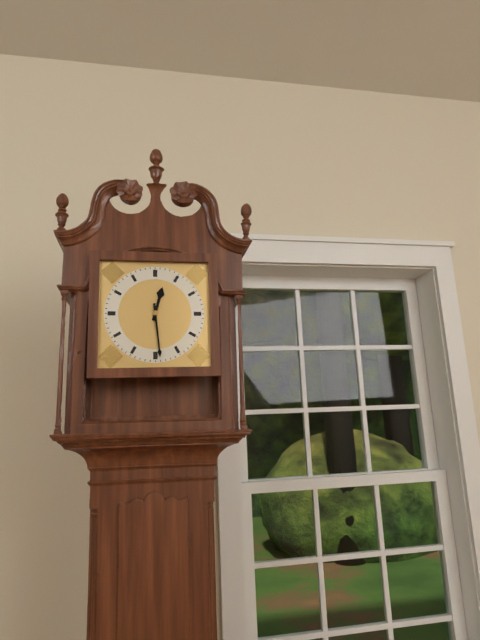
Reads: 12,29
